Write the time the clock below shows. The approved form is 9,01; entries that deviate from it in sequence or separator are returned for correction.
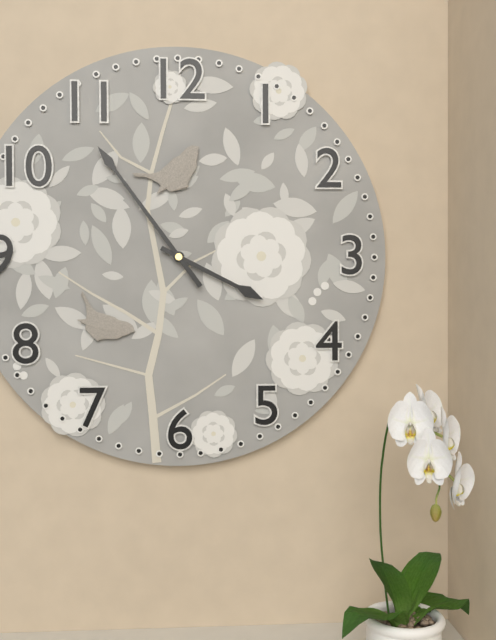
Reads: 3,54
